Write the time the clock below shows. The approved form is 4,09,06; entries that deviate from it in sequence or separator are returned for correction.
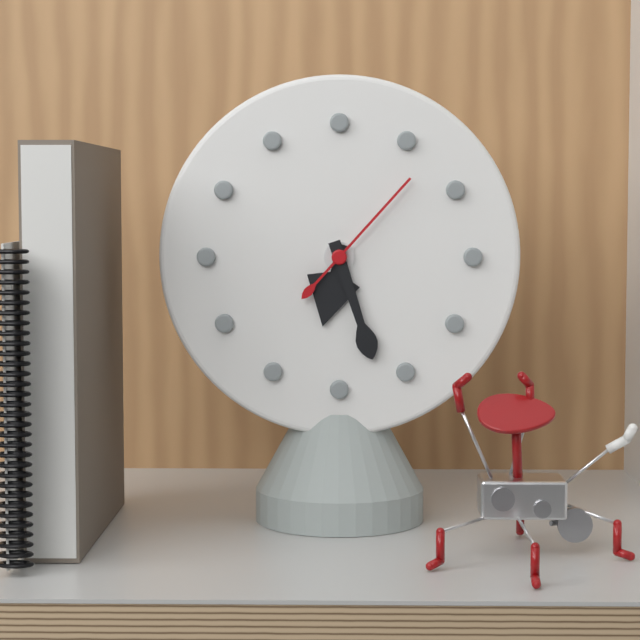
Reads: 6,27,07
